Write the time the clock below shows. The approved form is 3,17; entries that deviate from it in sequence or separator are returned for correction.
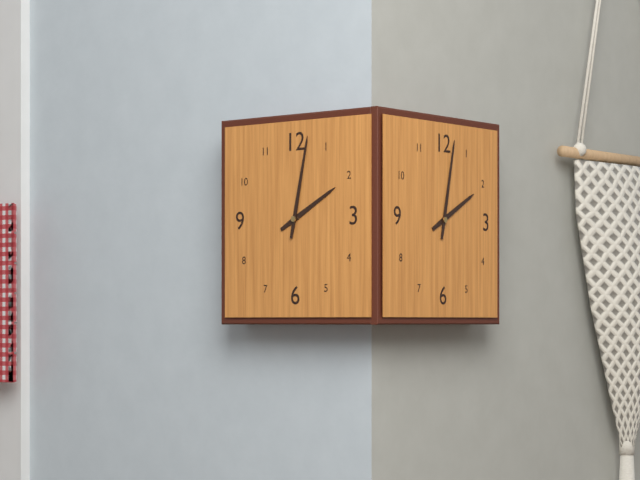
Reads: 2,02
